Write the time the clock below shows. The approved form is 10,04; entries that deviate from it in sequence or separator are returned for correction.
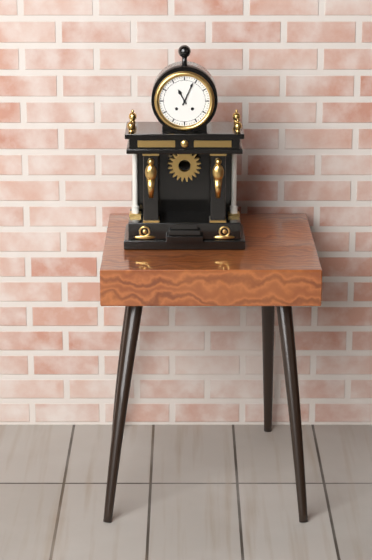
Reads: 11,04
